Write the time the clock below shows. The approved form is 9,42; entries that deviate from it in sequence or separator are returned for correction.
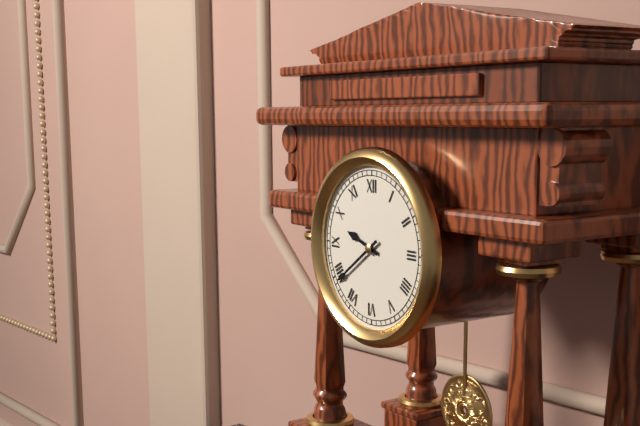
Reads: 9,39
